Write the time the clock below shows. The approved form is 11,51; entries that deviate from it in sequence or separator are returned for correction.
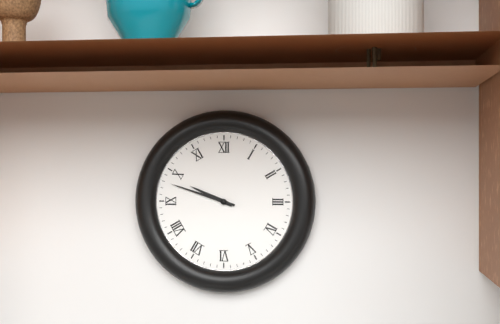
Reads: 9,48
